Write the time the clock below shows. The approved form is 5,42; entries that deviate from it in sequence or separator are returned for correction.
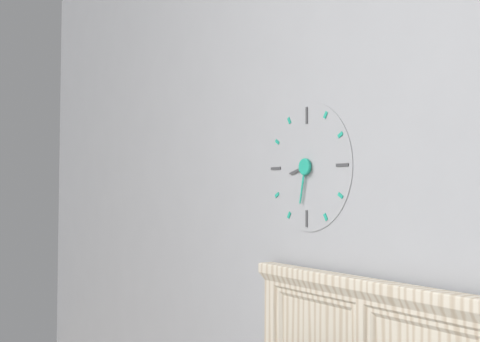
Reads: 8,32
